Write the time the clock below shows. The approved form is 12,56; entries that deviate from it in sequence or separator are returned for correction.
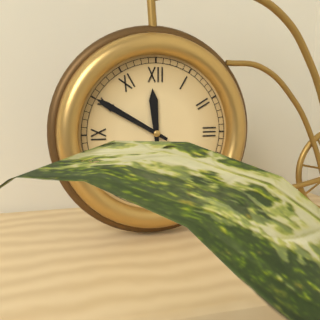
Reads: 11,50
